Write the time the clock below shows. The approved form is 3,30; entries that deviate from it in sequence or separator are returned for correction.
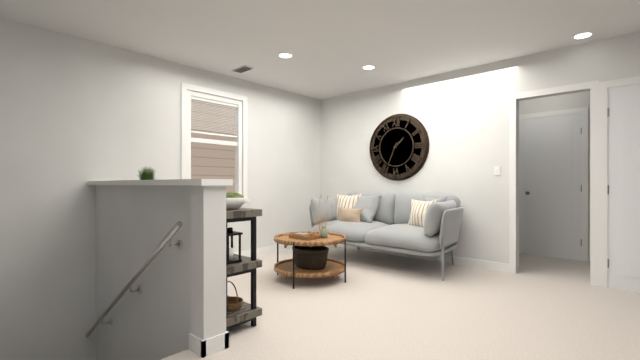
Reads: 1,34
